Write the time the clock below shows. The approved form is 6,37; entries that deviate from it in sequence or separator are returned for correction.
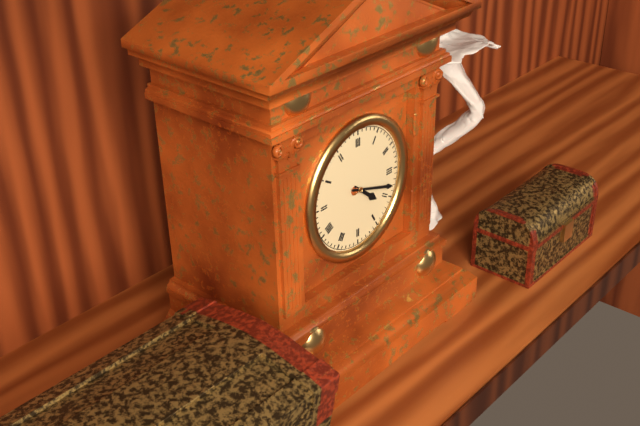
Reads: 4,18
